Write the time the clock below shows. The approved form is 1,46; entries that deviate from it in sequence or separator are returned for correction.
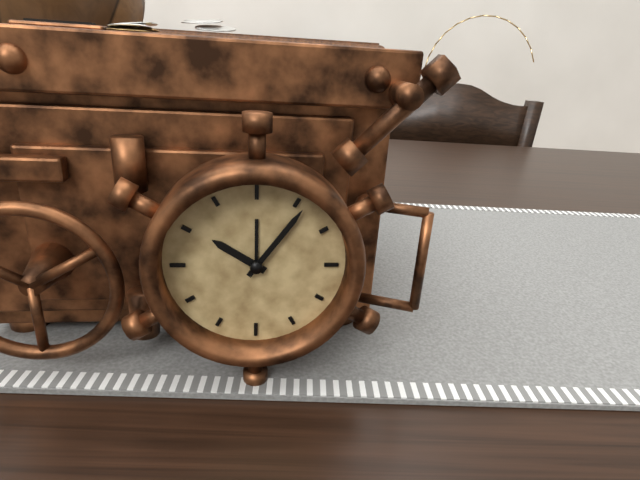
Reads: 10,06
